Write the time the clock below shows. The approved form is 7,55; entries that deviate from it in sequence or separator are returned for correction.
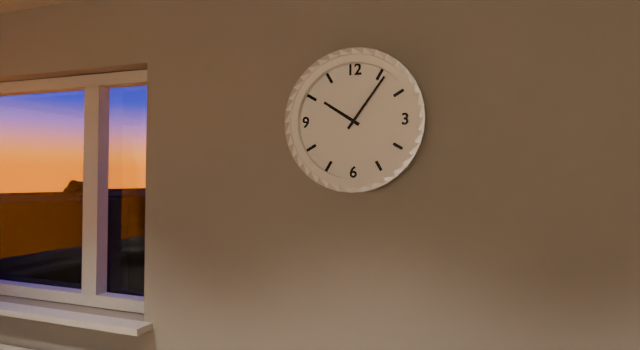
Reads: 10,06
